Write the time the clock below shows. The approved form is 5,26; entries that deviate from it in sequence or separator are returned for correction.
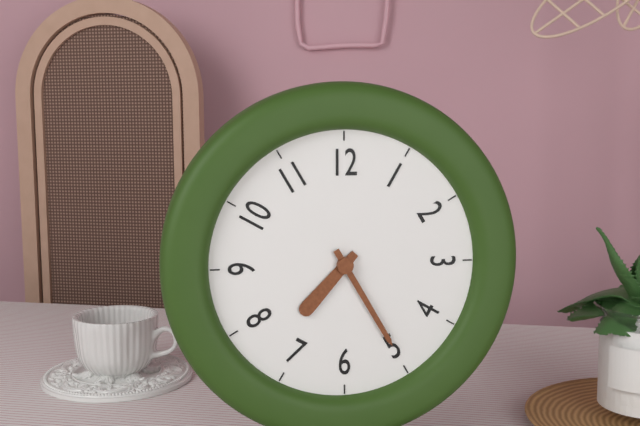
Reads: 7,25
